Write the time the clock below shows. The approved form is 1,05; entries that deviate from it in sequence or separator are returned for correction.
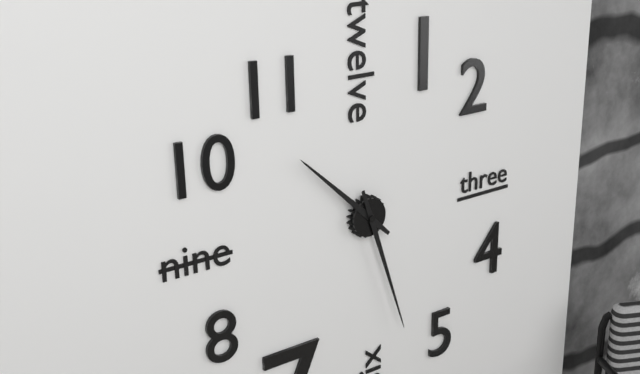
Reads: 10,27
